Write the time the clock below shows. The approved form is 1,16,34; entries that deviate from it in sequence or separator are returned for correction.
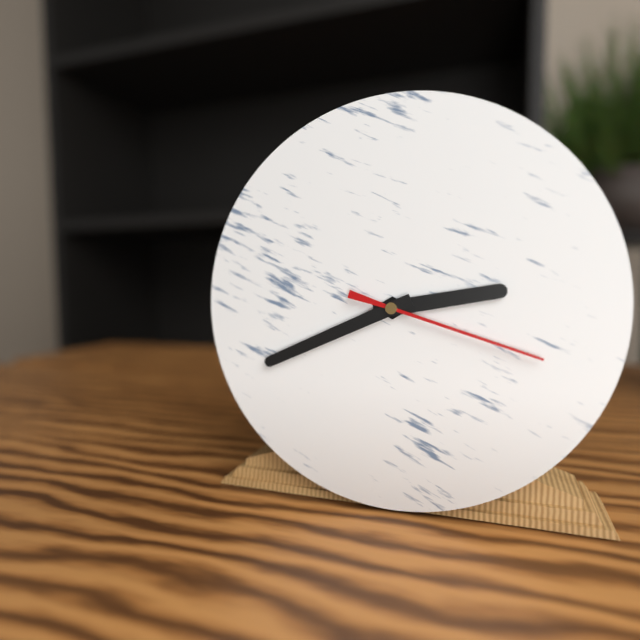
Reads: 2,41,18
